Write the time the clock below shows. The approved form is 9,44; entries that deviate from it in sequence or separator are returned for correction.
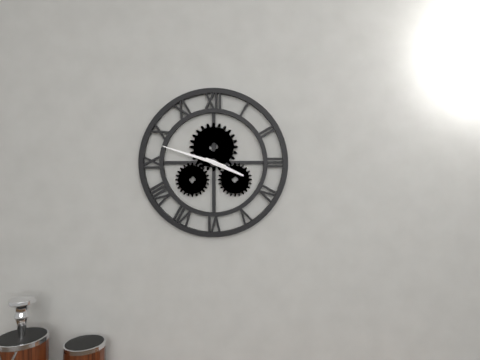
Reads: 3,48
